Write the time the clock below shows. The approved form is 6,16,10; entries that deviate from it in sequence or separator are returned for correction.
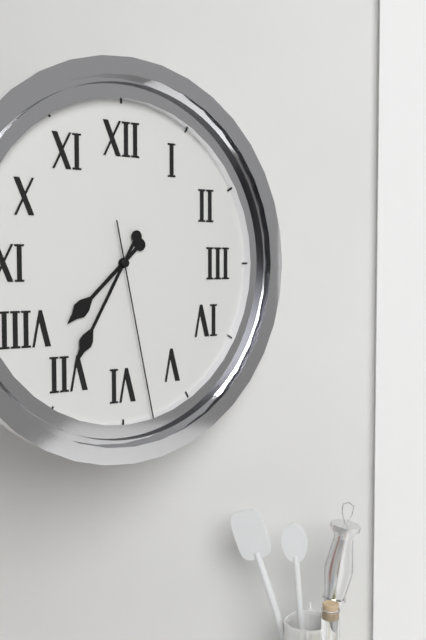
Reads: 7,35,28
